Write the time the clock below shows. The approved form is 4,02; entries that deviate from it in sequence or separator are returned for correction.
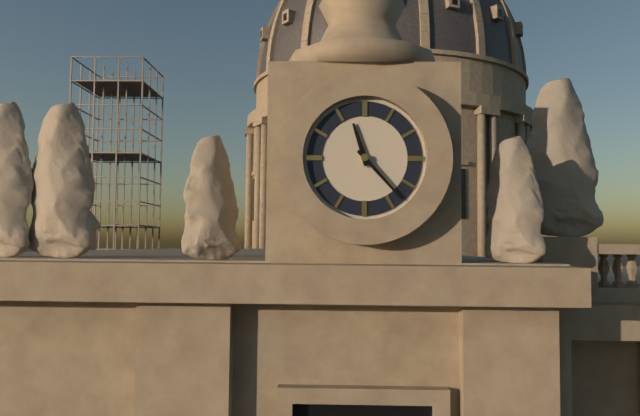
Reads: 11,23
